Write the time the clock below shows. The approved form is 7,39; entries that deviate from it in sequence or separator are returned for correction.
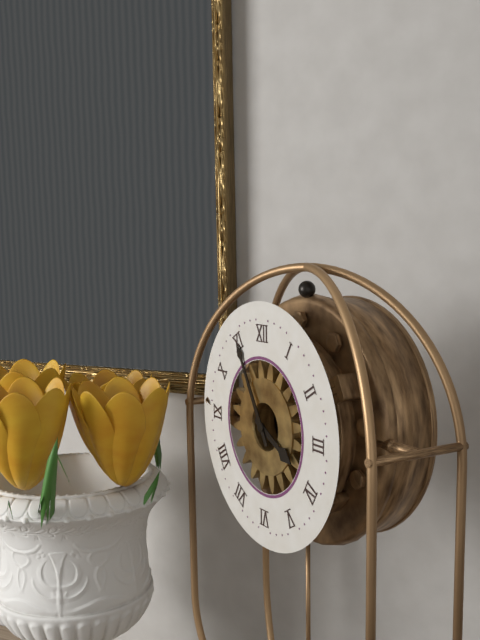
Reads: 3,55
